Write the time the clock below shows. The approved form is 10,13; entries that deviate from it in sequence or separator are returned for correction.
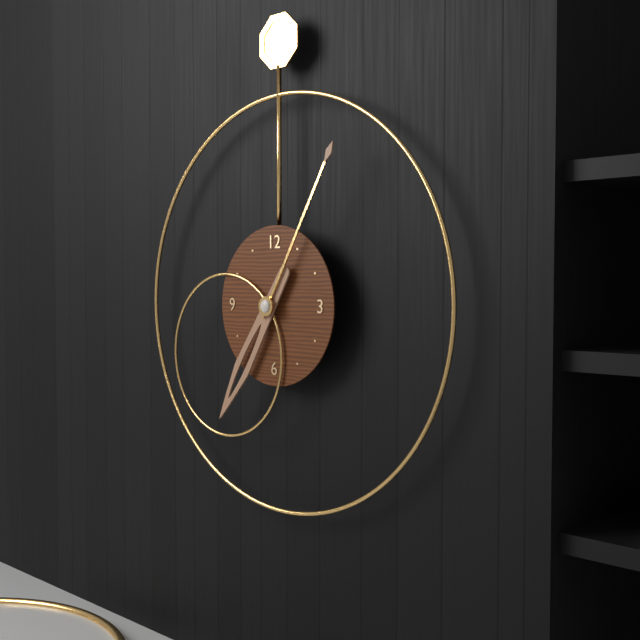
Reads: 7,05
